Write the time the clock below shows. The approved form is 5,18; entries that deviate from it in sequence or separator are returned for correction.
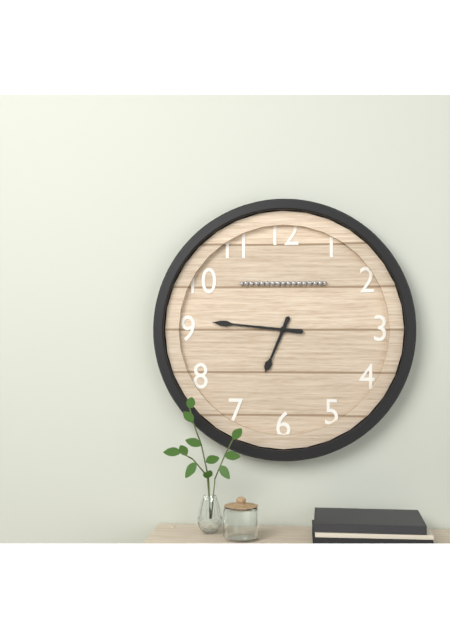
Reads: 6,46
